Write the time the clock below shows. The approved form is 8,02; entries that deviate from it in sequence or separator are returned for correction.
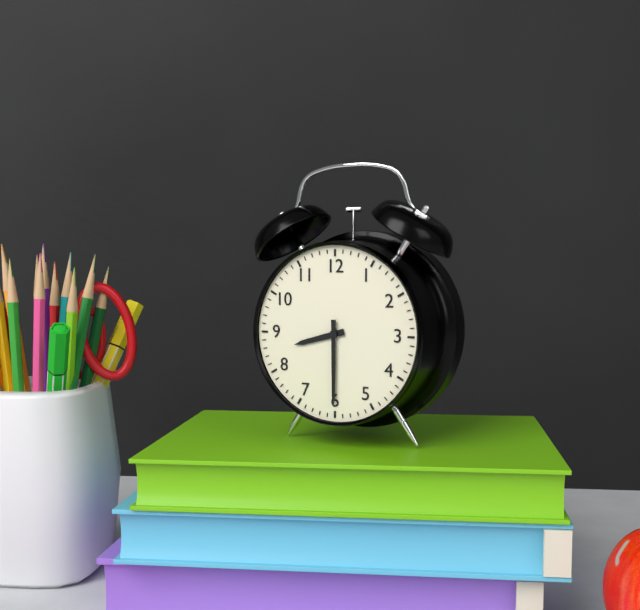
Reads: 8,30
